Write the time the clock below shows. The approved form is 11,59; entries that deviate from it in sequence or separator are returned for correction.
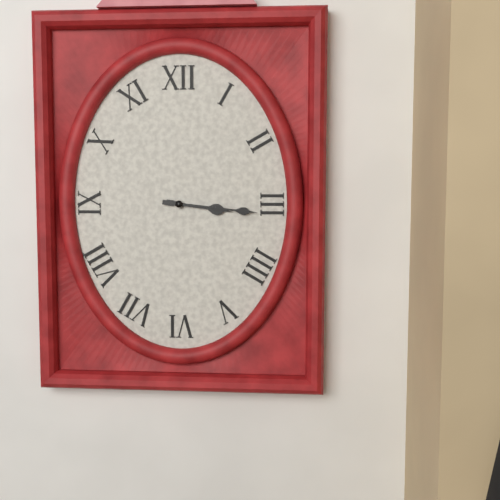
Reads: 3,16
